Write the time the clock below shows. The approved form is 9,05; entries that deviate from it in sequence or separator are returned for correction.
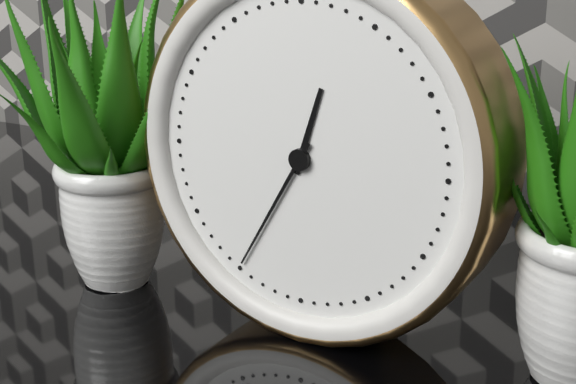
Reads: 12,35
